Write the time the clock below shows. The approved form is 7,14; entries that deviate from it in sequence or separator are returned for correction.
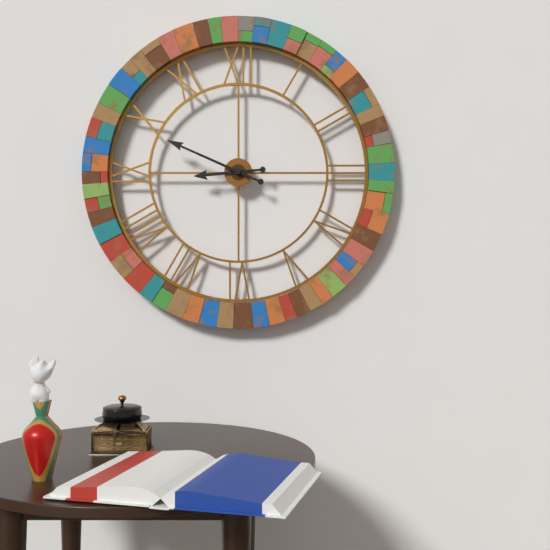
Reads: 8,49
